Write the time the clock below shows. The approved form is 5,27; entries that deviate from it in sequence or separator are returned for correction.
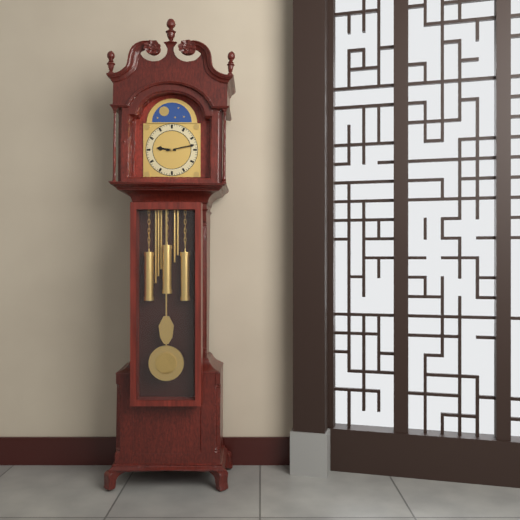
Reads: 9,13
